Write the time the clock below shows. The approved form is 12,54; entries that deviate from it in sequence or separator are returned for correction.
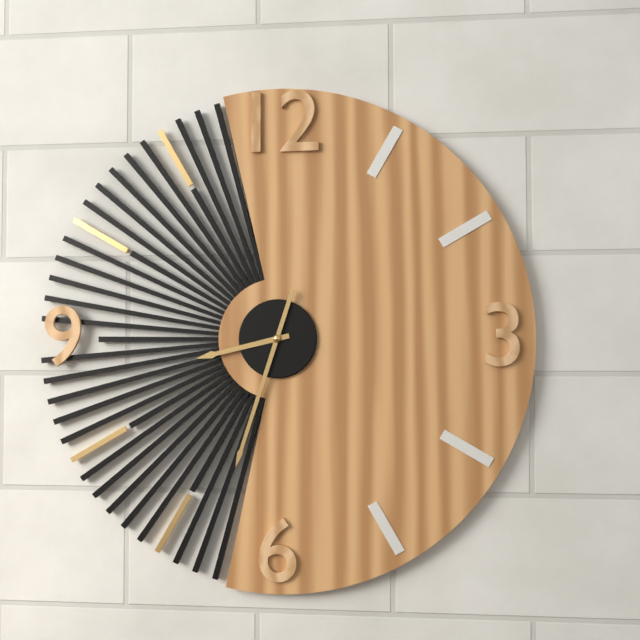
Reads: 8,33
